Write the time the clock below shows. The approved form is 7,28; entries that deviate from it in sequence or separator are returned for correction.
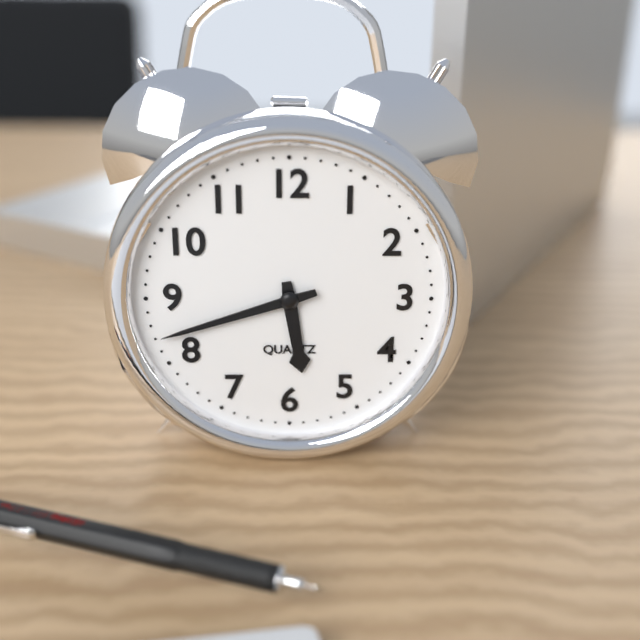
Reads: 5,42
